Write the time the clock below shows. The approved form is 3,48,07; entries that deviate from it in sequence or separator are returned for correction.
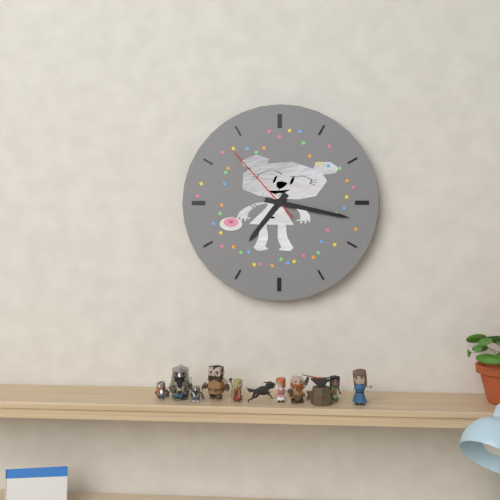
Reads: 7,17,53
